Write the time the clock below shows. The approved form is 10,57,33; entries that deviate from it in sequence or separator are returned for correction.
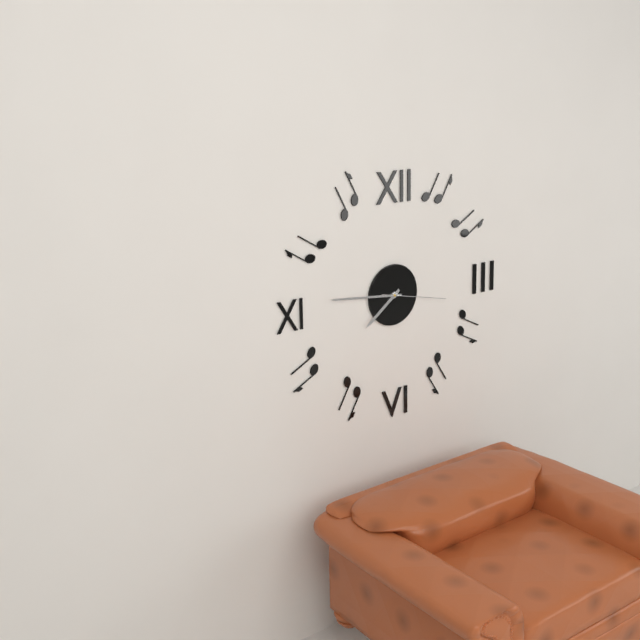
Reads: 7,46,17
